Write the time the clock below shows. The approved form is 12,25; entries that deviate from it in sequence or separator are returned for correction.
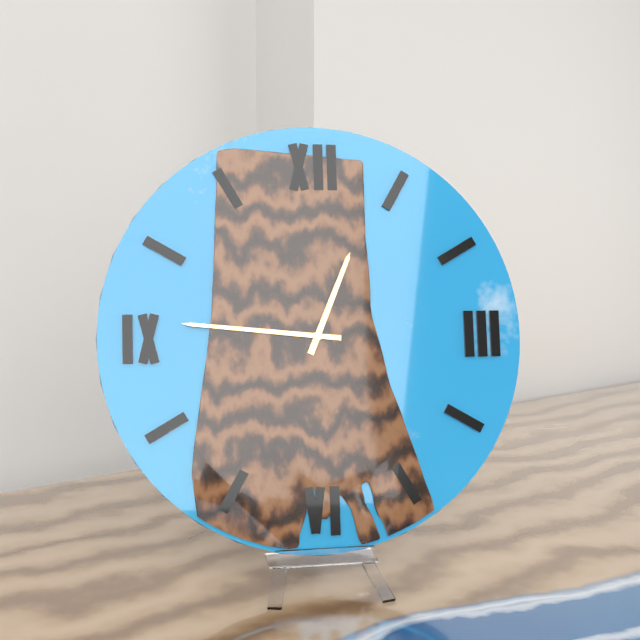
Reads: 12,46
